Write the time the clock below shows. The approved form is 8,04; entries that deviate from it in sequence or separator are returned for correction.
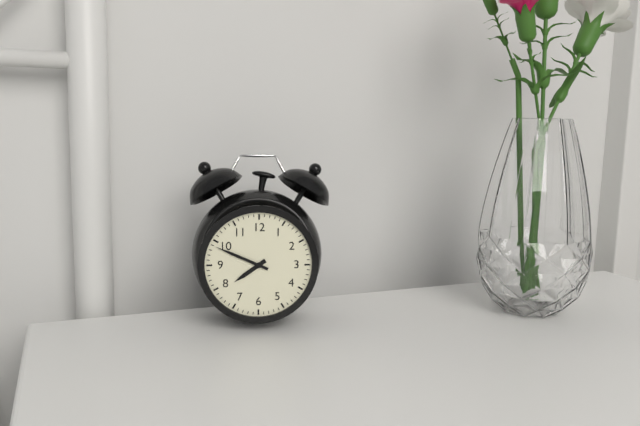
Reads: 7,49
